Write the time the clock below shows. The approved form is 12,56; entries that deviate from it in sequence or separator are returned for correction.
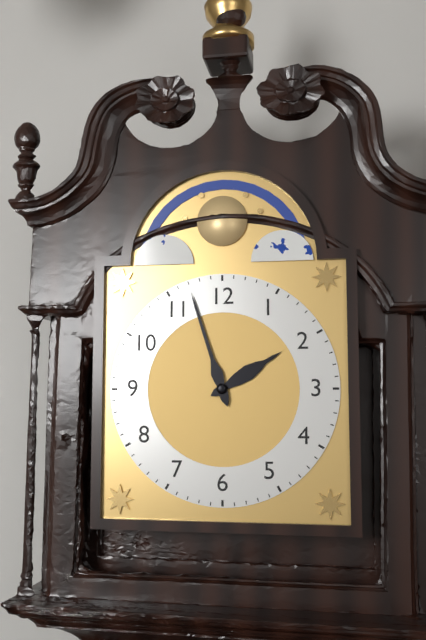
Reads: 1,57
